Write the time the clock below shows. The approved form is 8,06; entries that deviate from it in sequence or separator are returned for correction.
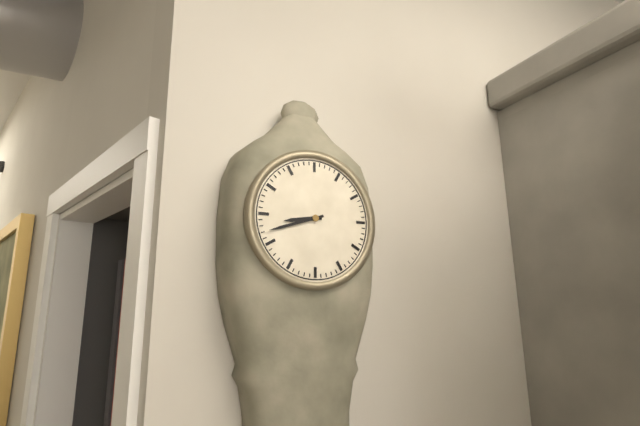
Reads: 8,42
